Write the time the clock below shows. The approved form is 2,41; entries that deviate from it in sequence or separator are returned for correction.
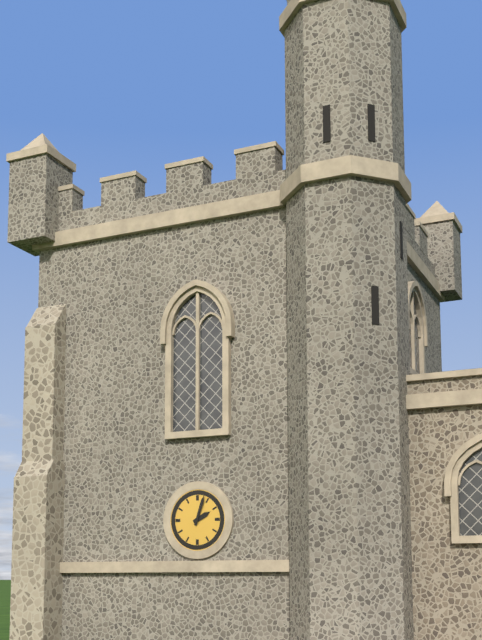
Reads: 2,03
